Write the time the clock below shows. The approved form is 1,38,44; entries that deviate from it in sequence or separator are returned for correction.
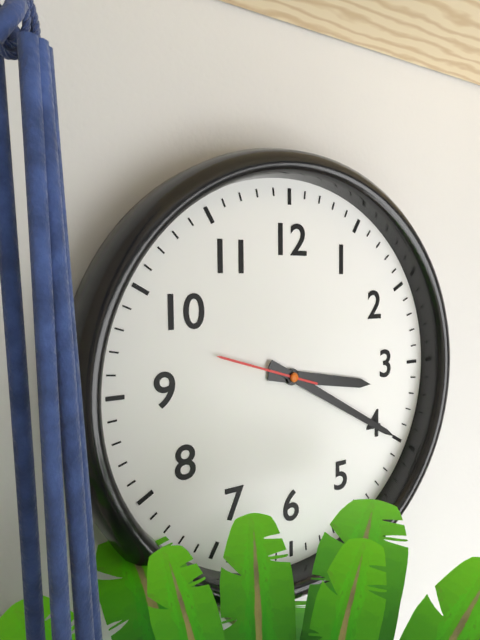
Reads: 3,20,48
